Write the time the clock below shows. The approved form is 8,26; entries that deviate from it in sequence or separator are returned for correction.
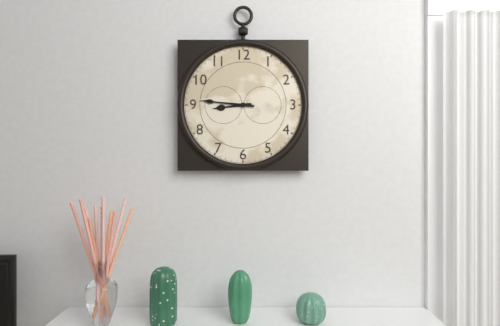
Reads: 8,46
